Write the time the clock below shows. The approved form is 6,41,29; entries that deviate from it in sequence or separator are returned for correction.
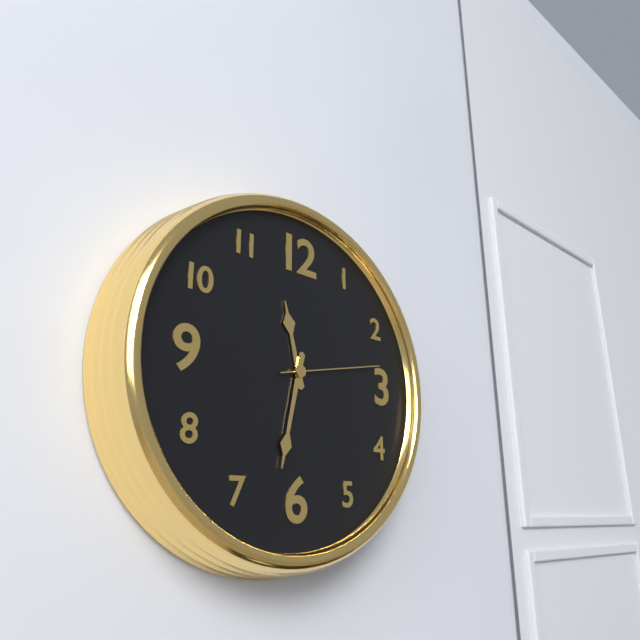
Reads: 11,32,13
